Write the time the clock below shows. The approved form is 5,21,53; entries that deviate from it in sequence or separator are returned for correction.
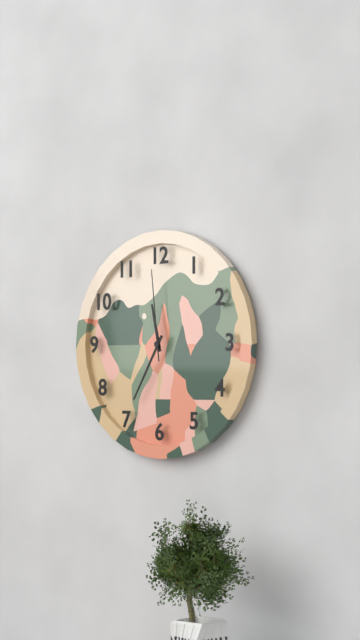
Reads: 11,35,59
